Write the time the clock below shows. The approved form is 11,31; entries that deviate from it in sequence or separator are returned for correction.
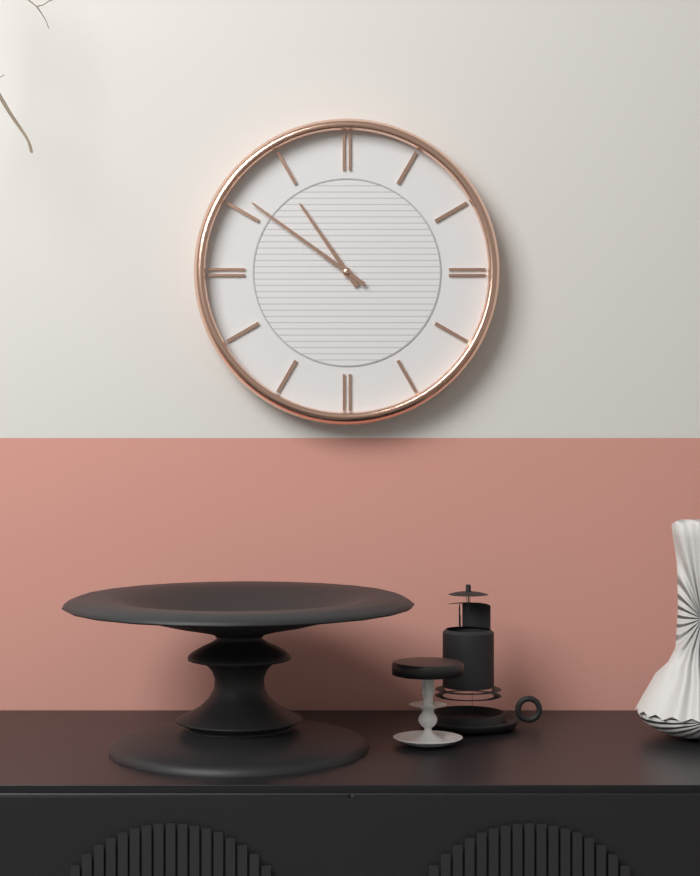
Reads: 10,51
